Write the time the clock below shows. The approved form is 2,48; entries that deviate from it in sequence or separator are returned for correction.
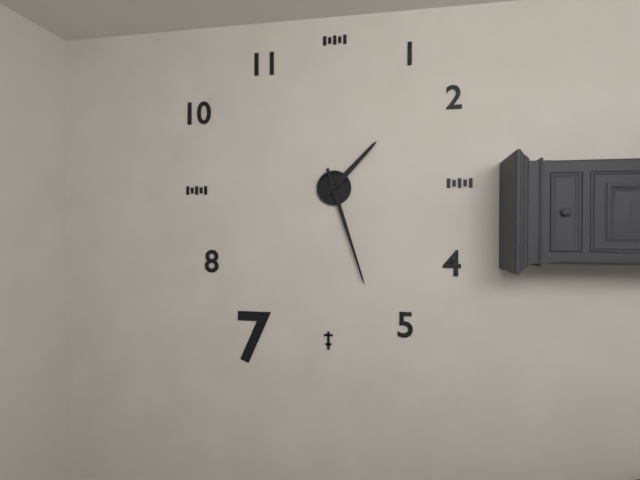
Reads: 1,27
